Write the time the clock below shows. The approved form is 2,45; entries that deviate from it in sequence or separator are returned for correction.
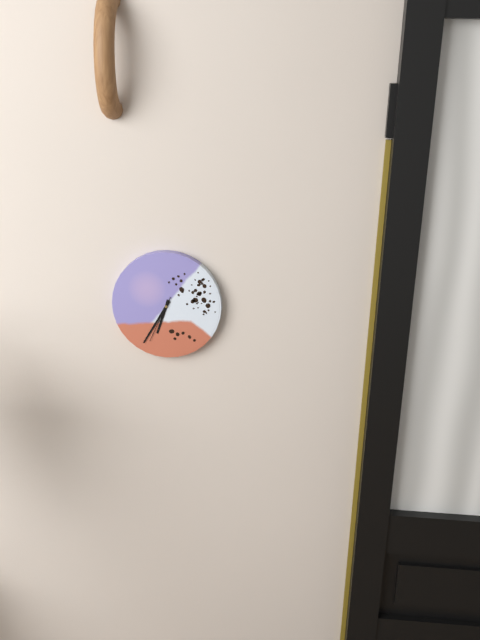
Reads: 6,35
